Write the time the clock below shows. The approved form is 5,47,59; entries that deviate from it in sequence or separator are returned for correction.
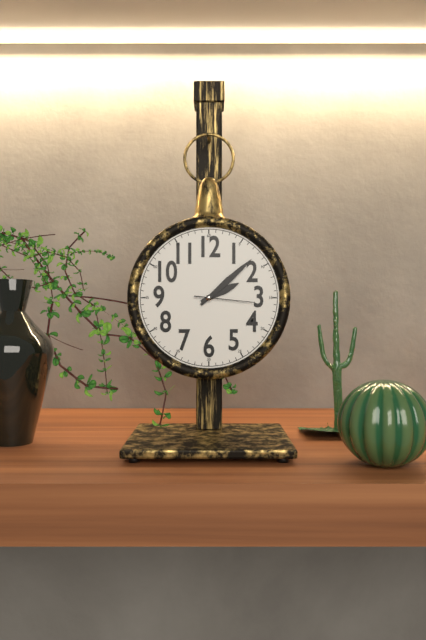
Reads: 2,08,16
